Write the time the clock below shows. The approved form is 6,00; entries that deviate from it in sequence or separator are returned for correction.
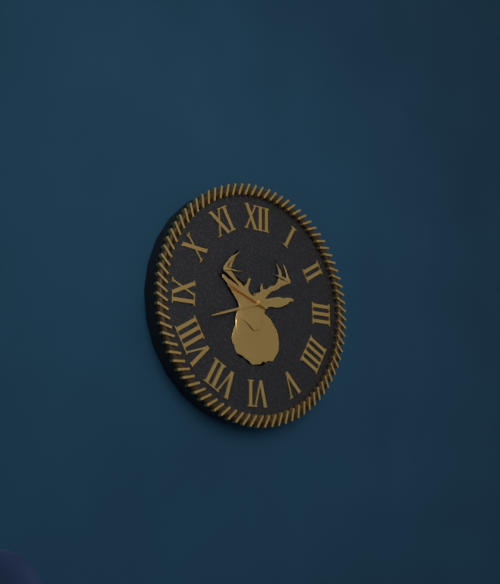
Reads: 9,42
